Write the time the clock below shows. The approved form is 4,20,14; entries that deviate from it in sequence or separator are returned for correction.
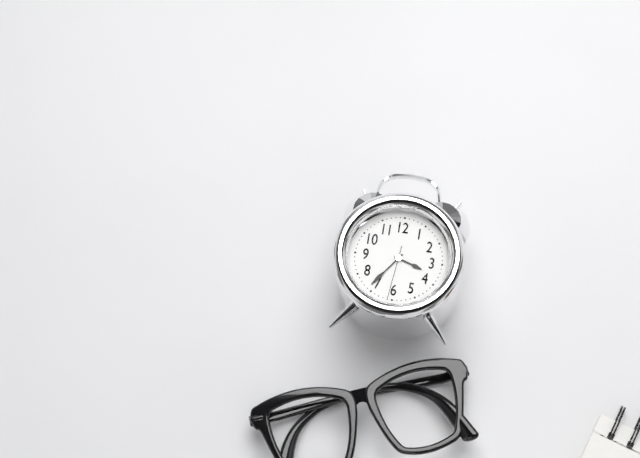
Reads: 3,36,31
